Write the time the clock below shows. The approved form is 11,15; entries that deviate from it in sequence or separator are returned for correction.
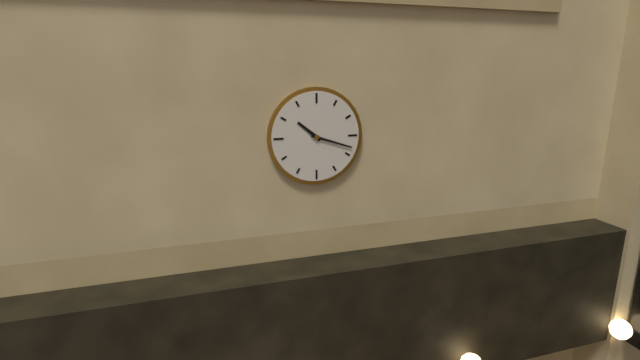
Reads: 10,18
